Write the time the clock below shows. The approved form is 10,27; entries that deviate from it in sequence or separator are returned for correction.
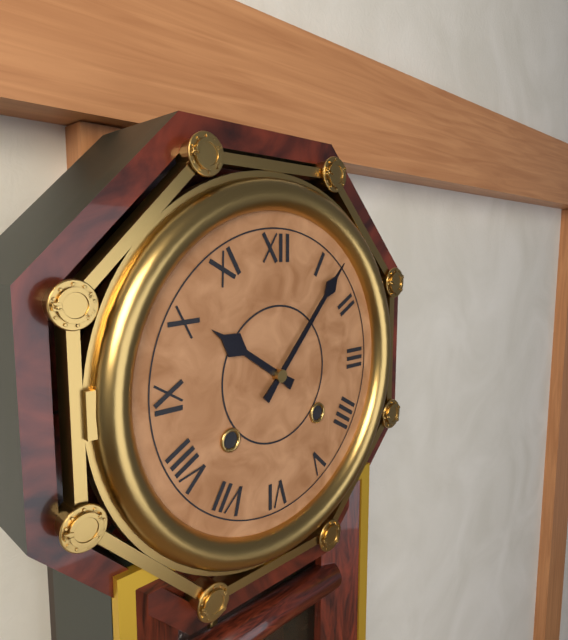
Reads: 10,07
